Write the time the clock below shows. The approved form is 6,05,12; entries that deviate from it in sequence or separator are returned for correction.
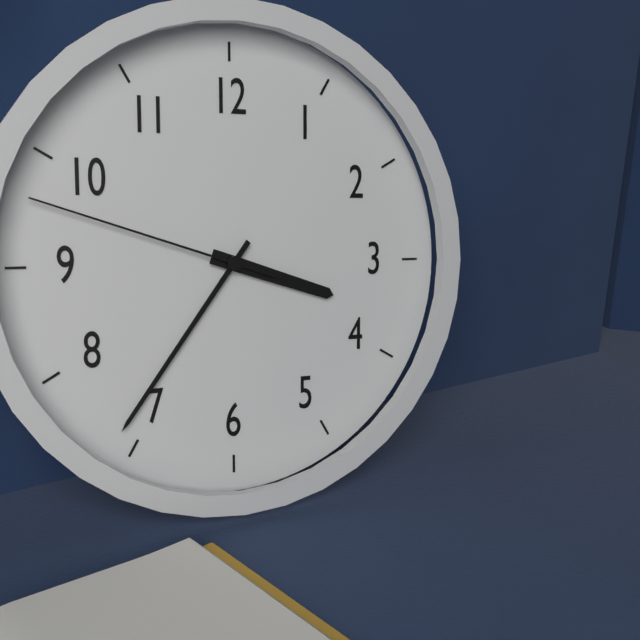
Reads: 3,36,48
